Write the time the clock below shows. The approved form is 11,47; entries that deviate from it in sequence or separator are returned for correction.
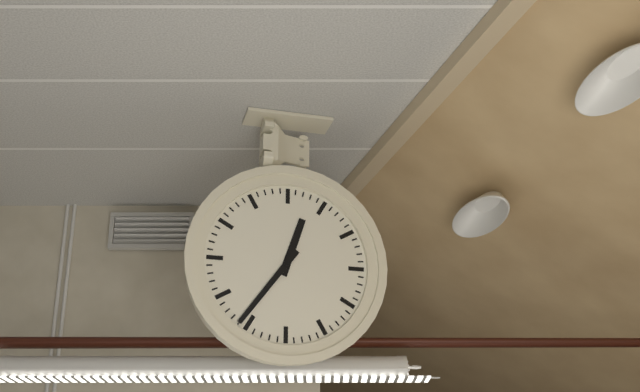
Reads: 12,36
